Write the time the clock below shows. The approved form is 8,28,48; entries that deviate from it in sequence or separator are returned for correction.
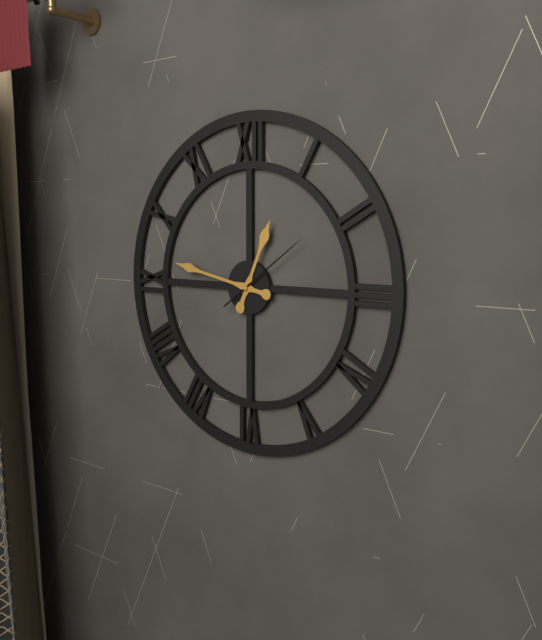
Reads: 12,47,09
